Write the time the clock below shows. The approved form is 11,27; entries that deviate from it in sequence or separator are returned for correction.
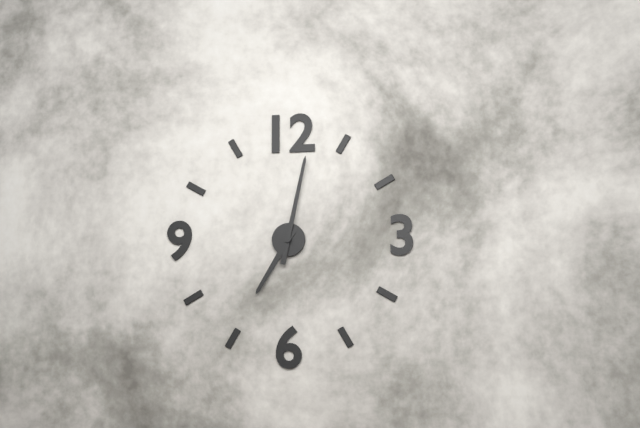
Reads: 7,02
